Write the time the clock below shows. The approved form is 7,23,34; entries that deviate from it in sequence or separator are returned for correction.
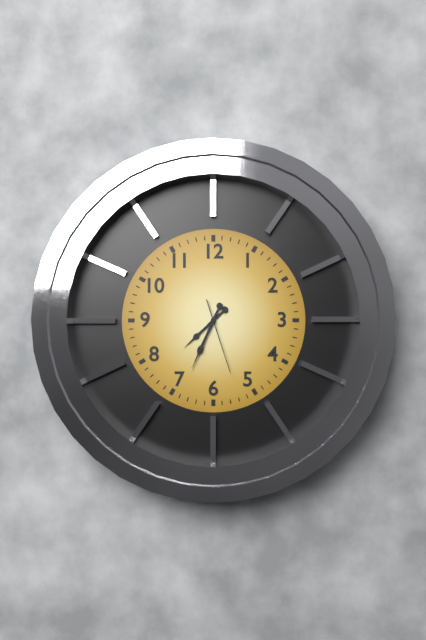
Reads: 7,34,27
